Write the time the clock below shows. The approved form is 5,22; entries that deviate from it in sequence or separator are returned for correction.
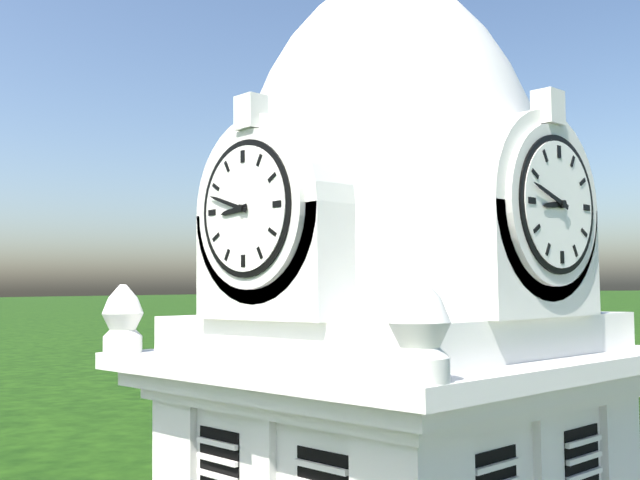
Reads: 8,48
